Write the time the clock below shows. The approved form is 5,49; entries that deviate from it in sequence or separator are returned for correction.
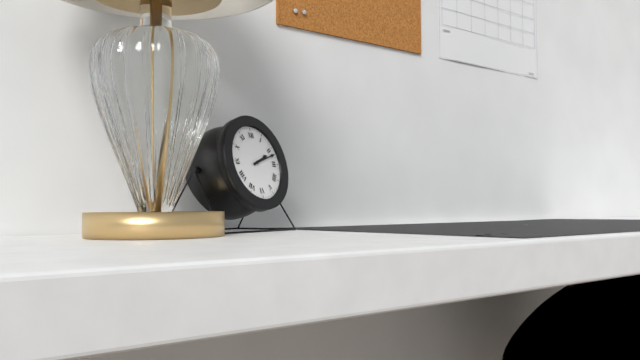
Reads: 2,12
